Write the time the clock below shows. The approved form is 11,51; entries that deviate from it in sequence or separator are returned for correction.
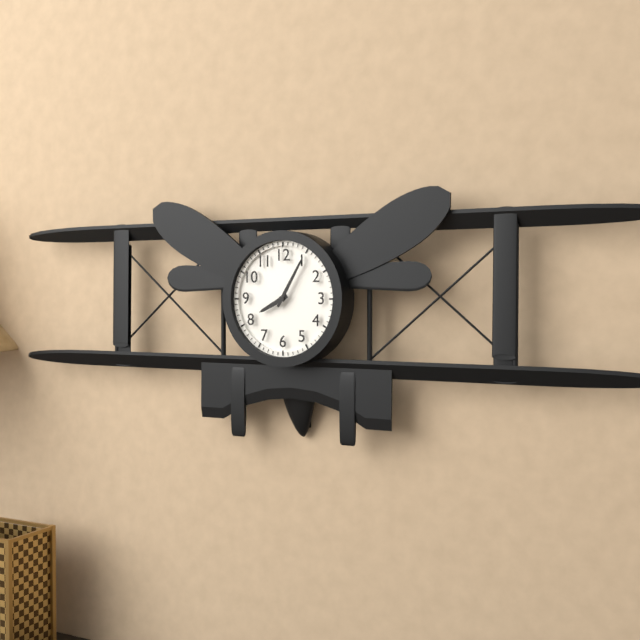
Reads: 8,05
